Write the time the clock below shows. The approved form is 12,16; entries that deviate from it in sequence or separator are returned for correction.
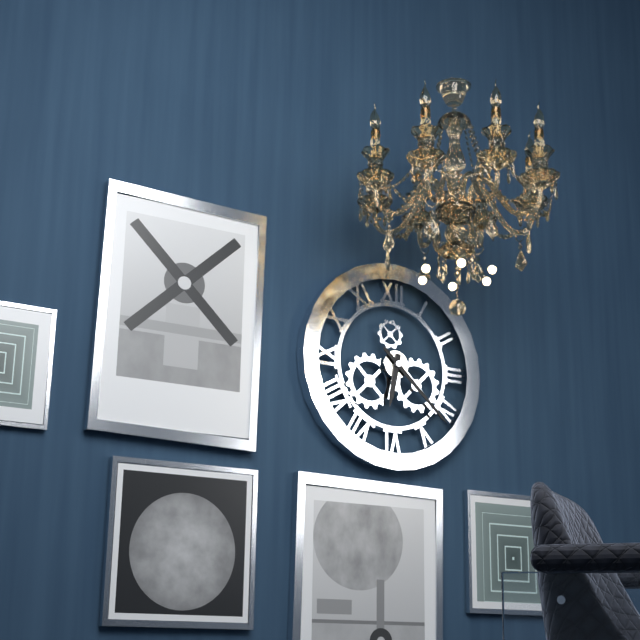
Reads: 6,22
